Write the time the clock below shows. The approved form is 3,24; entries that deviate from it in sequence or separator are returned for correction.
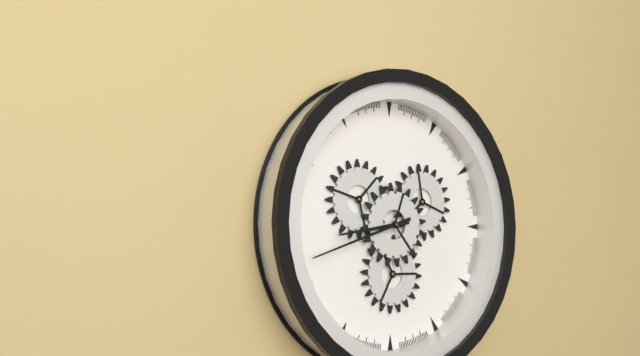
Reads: 8,42
